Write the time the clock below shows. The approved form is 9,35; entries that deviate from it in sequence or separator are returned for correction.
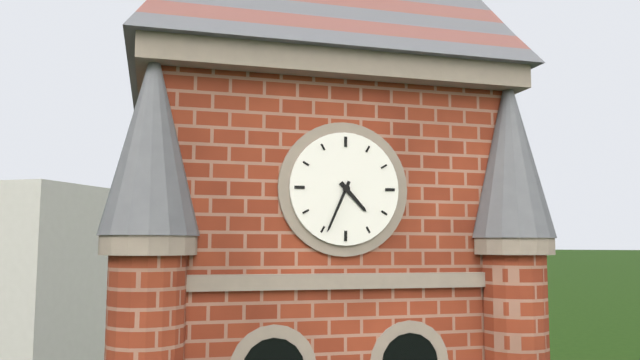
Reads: 4,34
